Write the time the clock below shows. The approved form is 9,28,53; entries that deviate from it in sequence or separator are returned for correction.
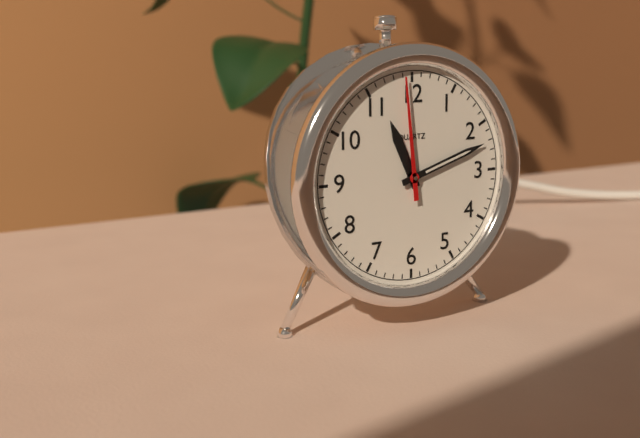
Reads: 11,12,59
